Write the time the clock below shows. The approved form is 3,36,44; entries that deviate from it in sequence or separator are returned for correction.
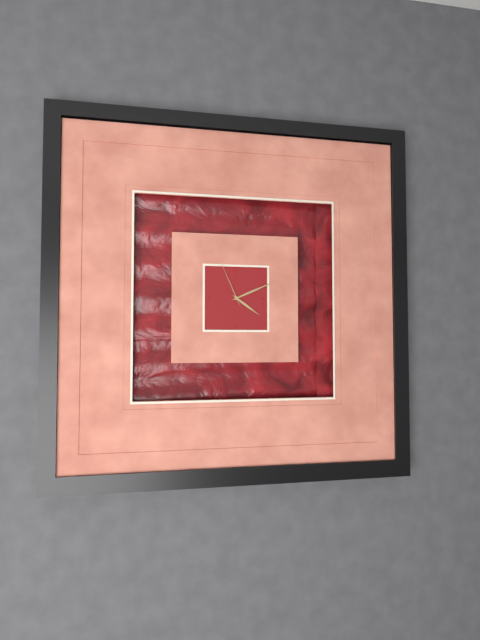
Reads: 4,11,56
